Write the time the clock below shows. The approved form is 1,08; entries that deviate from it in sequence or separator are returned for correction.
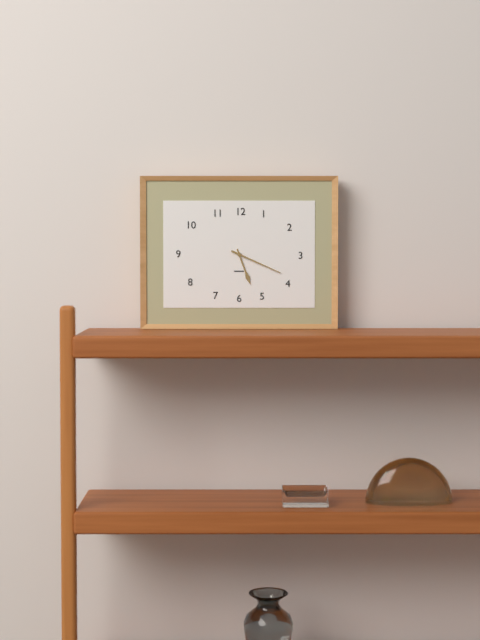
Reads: 5,19
